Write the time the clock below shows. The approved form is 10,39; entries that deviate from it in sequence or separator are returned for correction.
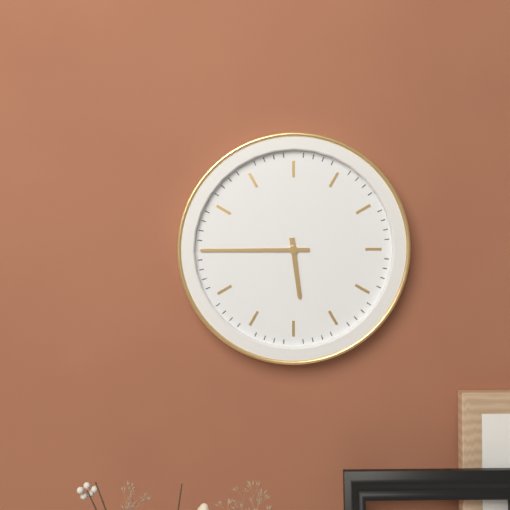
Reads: 5,45
